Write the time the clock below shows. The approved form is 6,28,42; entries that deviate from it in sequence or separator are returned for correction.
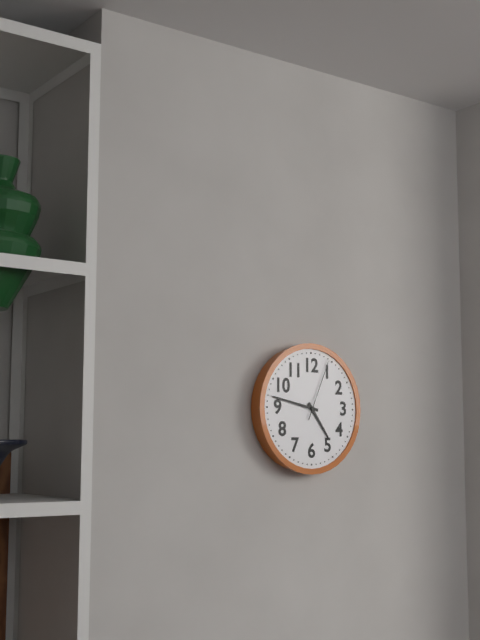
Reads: 4,47,04
